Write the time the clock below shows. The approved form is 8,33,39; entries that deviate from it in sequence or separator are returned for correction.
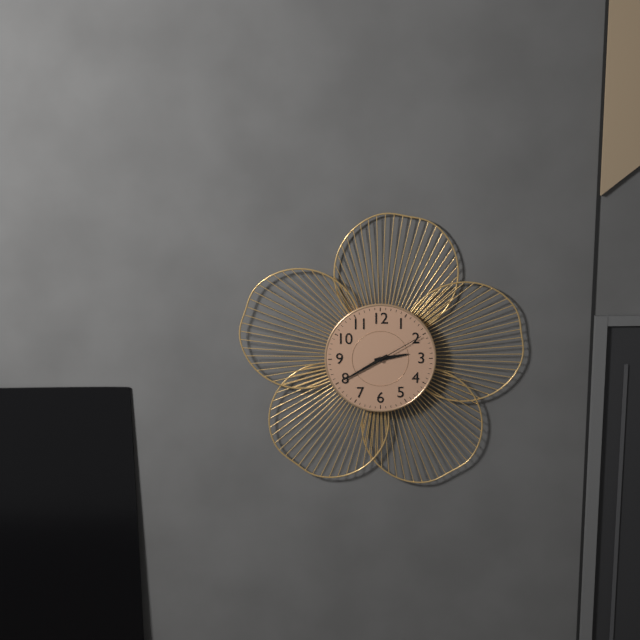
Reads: 2,40,10
